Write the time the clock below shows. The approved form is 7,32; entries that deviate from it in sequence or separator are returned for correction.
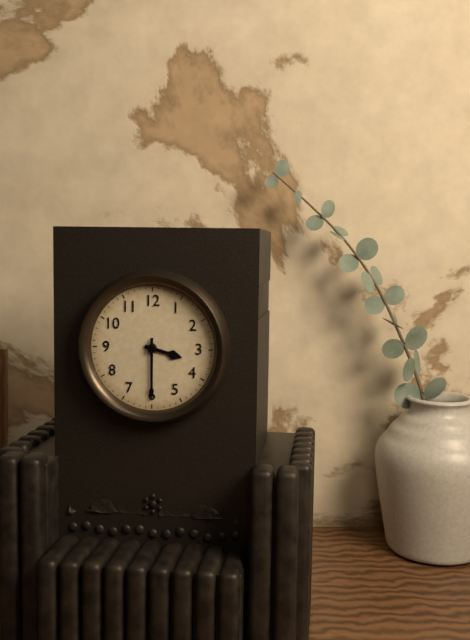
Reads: 3,30
